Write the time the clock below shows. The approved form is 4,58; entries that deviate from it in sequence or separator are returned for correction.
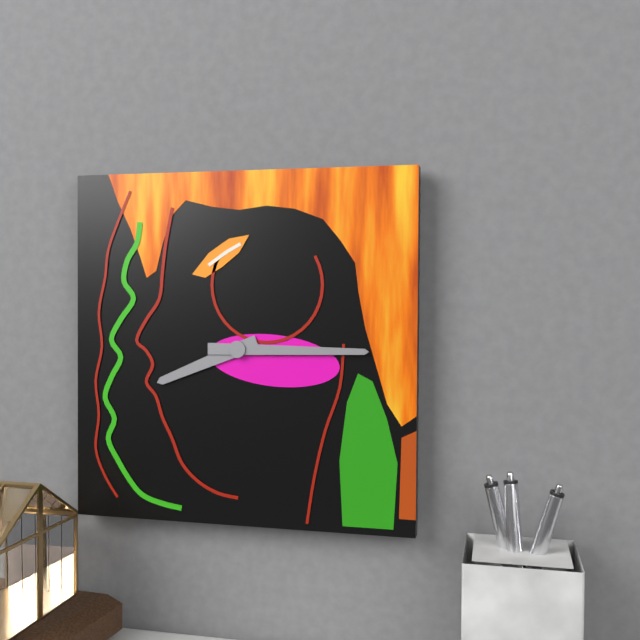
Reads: 8,15
